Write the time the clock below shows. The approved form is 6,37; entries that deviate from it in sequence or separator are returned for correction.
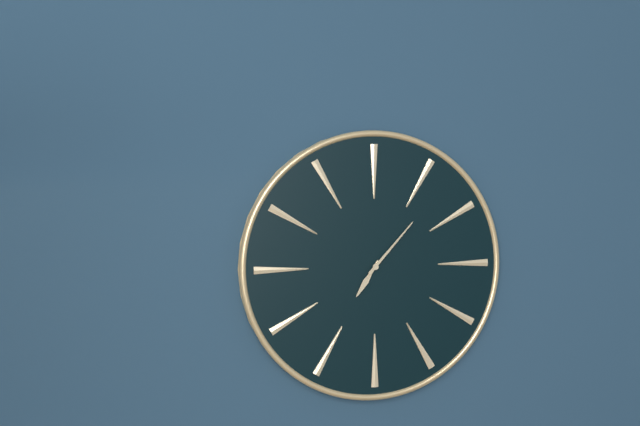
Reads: 7,07
